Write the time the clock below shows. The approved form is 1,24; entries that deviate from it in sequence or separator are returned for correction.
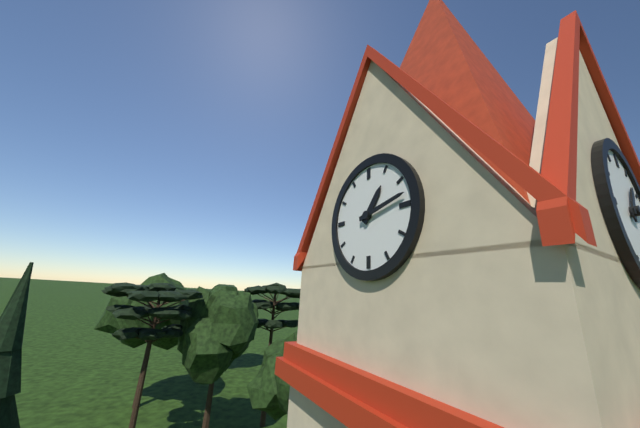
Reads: 1,13
